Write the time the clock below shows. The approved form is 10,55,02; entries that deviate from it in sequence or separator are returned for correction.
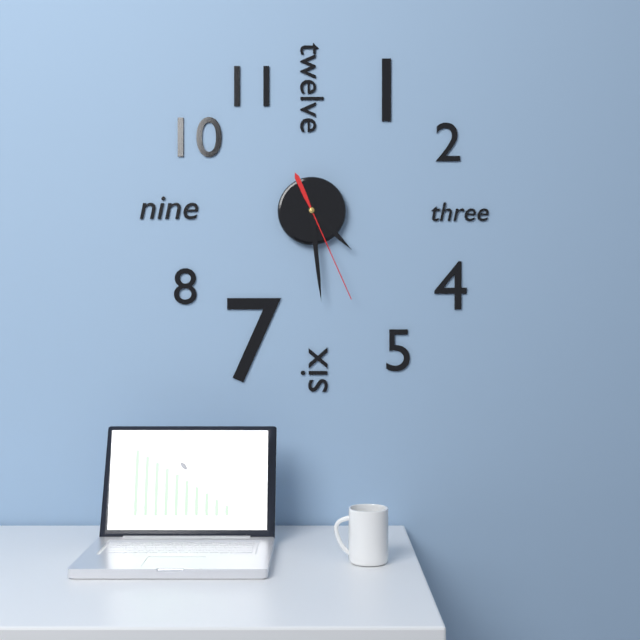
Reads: 4,29,26
